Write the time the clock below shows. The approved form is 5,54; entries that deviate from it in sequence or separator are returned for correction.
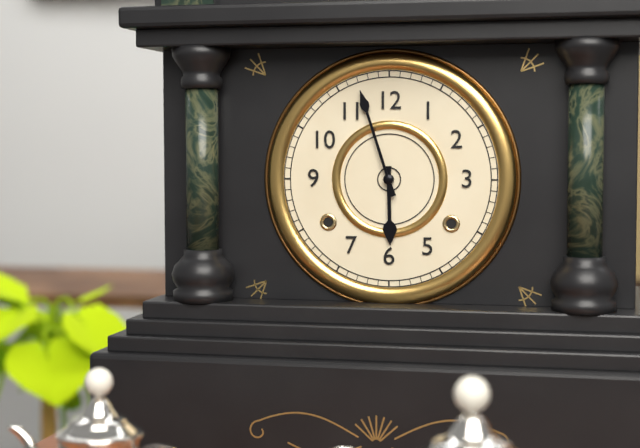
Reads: 5,57
